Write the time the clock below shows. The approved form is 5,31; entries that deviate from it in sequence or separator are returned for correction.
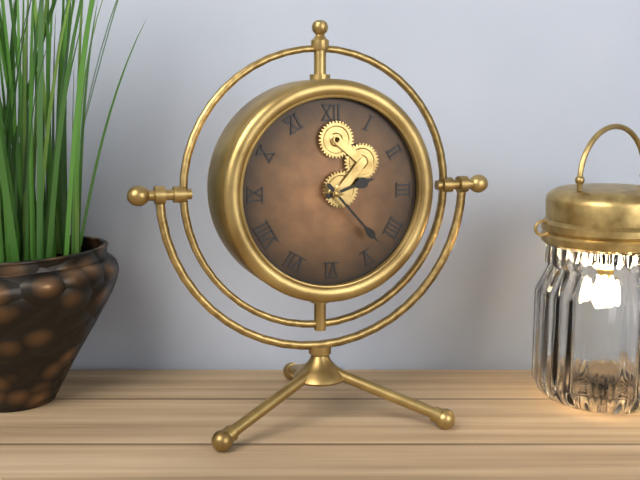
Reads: 2,23
